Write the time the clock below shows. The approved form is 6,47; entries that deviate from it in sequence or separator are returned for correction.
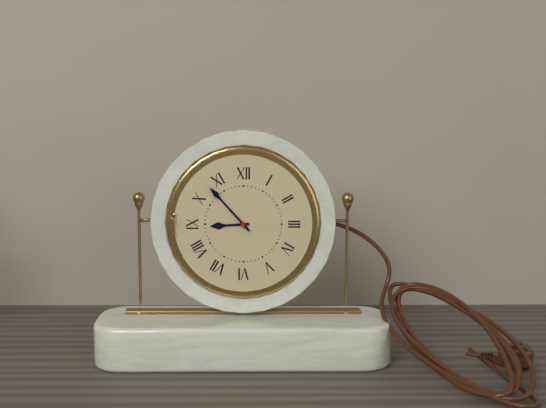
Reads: 8,53
